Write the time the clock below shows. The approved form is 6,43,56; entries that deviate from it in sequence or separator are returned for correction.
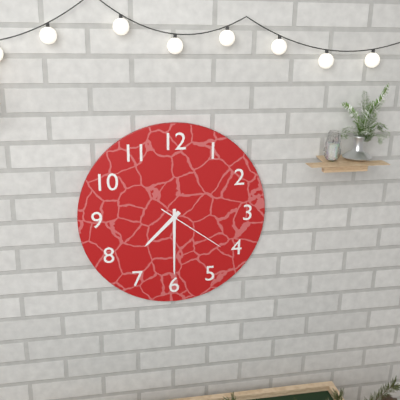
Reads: 7,30,21
